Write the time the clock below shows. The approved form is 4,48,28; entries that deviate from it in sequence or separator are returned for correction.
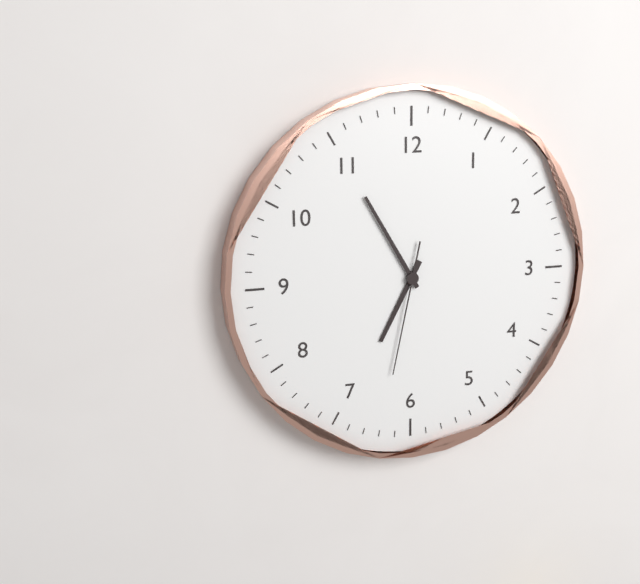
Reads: 6,55,32
